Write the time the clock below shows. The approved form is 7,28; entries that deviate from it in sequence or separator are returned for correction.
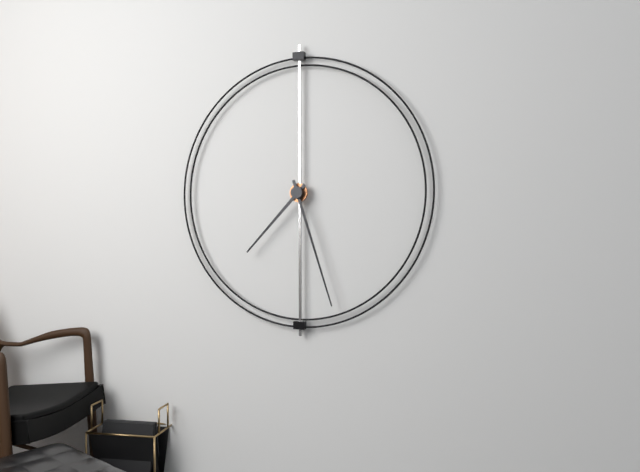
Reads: 7,27
